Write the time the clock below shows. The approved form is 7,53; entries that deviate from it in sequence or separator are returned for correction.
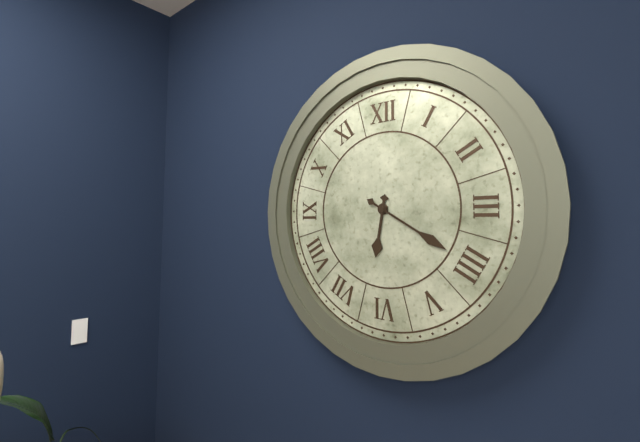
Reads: 6,20
